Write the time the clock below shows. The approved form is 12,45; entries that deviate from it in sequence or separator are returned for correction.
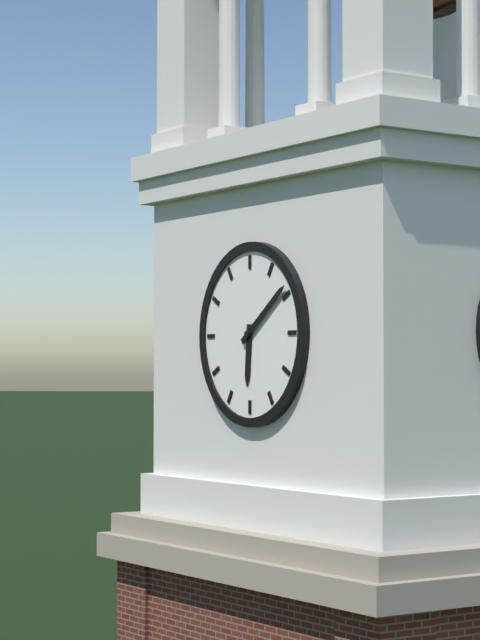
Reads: 6,09
